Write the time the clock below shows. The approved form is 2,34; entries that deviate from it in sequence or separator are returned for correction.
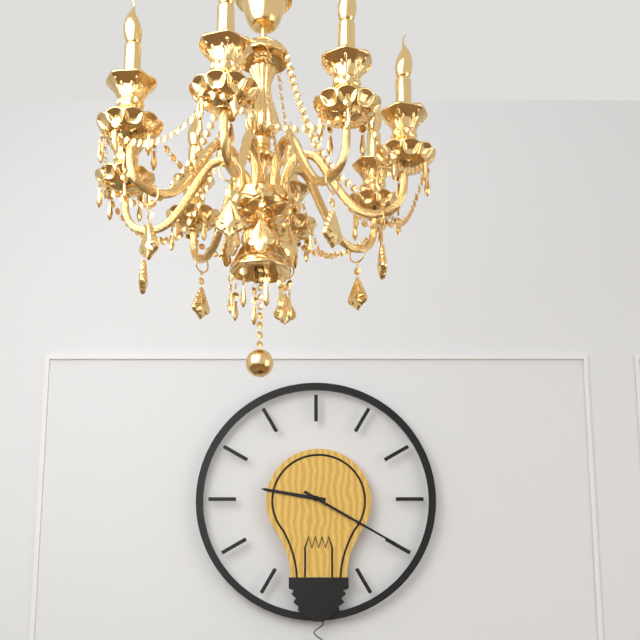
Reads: 9,20
